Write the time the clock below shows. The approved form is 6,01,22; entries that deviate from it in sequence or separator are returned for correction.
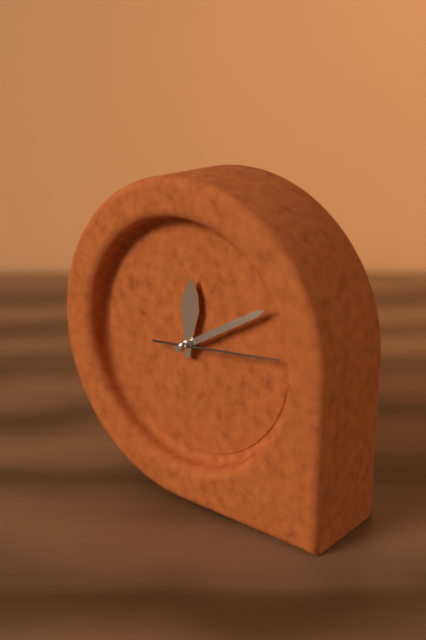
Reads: 12,10,14
